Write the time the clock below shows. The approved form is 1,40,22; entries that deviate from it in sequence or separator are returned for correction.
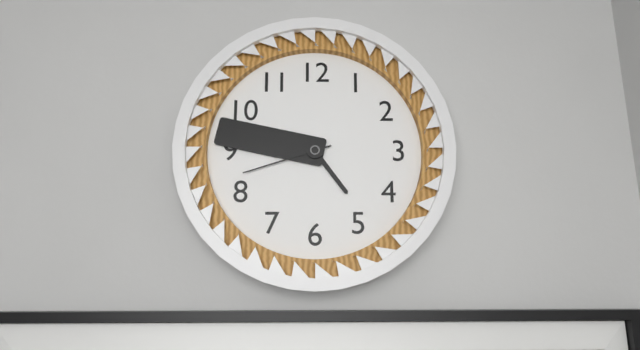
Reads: 4,47,42
